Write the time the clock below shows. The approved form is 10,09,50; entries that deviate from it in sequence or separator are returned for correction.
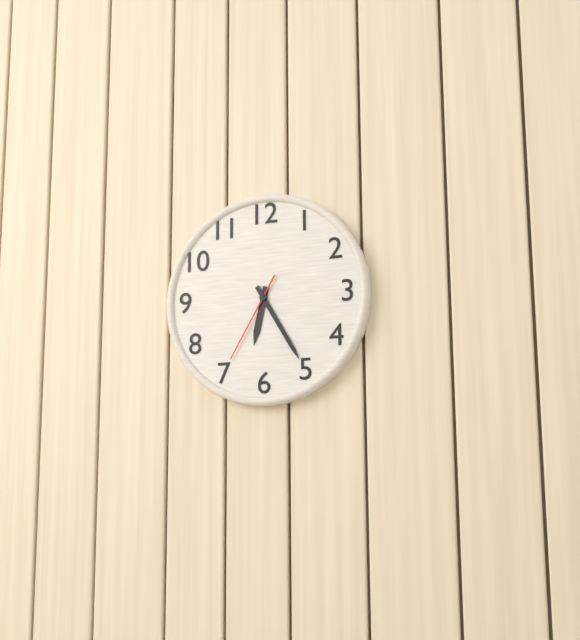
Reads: 6,25,35
